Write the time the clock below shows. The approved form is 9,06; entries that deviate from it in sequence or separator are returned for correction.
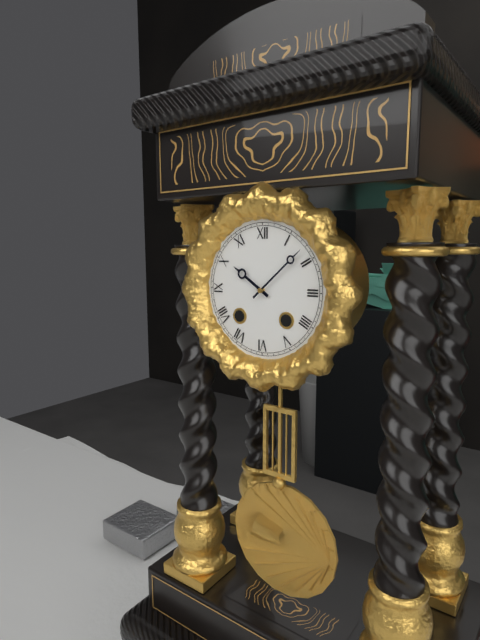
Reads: 10,08
